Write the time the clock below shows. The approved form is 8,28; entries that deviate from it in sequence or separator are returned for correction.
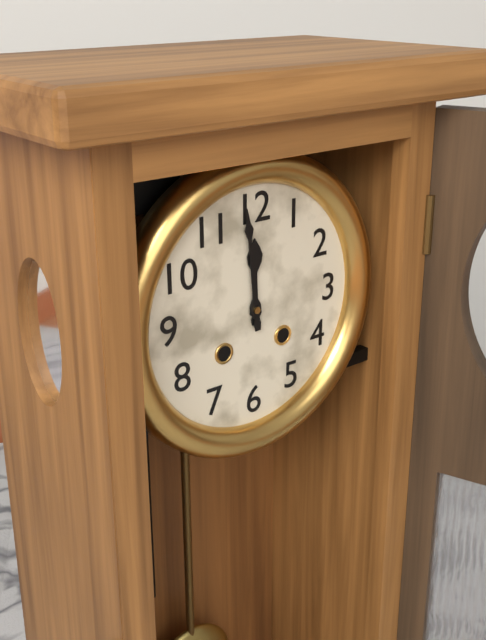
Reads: 11,59
